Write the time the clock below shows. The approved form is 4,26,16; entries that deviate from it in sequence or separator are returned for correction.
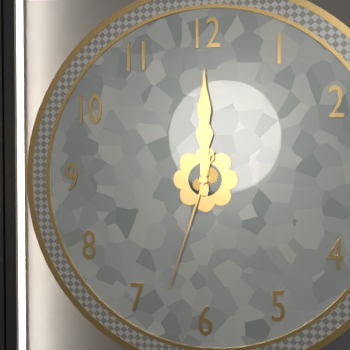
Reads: 12,00,33
